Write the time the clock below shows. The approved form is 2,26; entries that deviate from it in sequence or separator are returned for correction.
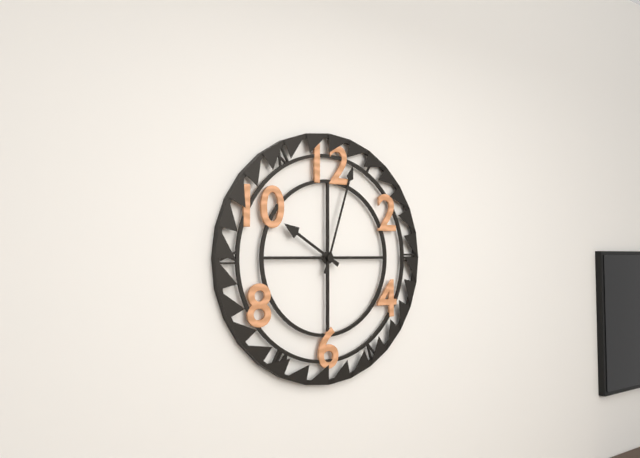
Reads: 10,03
